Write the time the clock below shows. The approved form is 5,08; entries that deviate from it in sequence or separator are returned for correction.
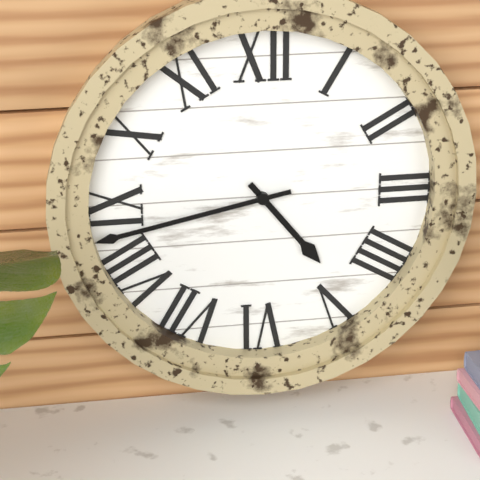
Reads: 4,43
